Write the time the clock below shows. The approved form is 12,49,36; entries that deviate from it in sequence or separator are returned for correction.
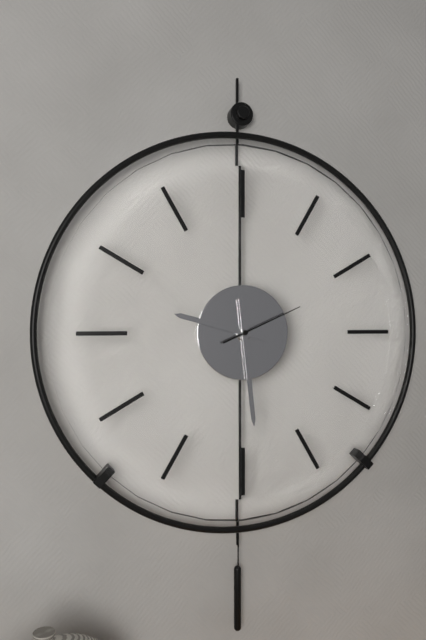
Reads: 9,29,11
